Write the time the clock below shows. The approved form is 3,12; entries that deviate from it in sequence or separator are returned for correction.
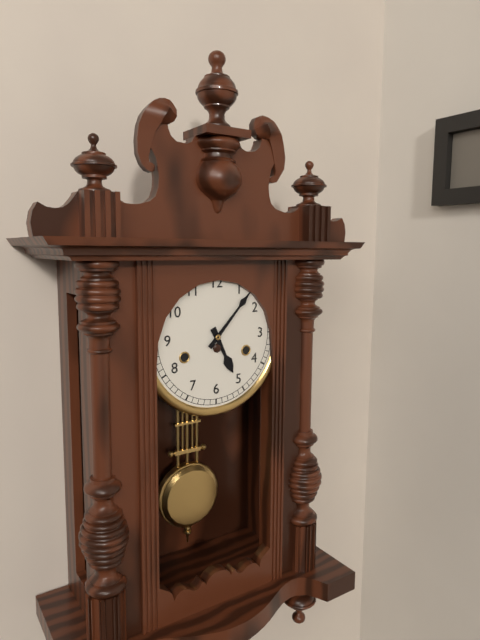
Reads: 5,07
